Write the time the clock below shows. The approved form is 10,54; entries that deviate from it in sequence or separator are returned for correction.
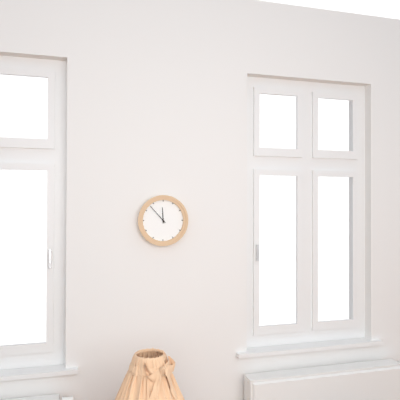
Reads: 11,53
